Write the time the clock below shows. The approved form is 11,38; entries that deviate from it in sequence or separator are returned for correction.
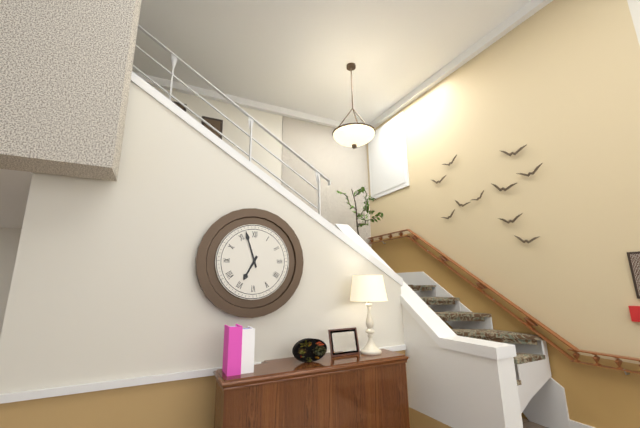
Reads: 6,57
